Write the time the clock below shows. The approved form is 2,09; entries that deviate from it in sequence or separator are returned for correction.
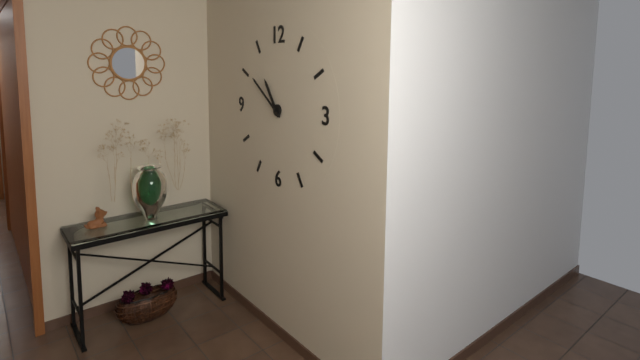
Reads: 10,51
